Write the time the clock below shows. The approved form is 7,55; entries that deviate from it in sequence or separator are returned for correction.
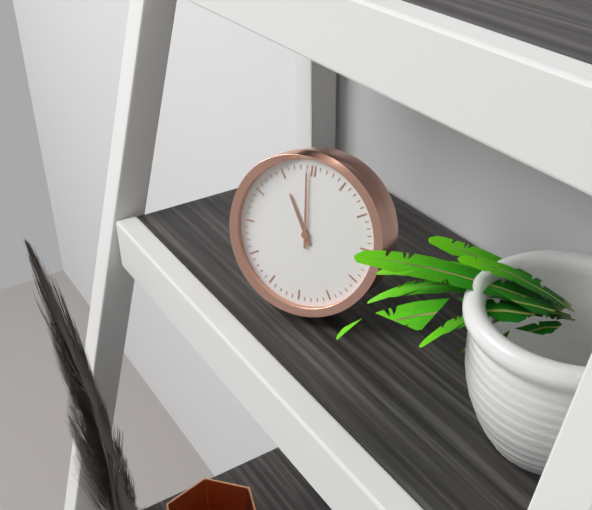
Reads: 10,59
